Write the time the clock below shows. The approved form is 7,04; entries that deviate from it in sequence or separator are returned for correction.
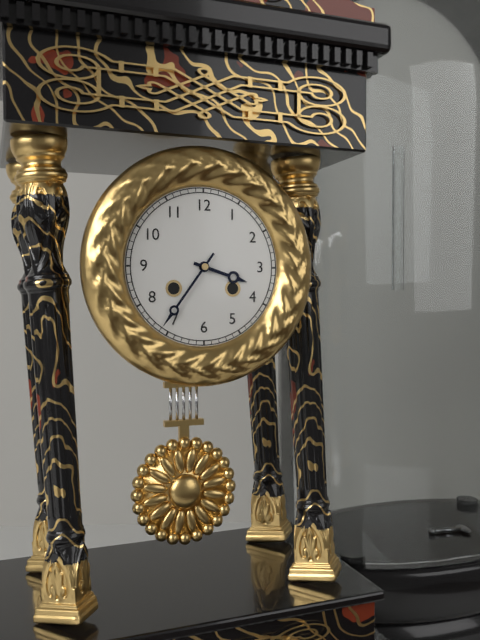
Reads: 3,36
